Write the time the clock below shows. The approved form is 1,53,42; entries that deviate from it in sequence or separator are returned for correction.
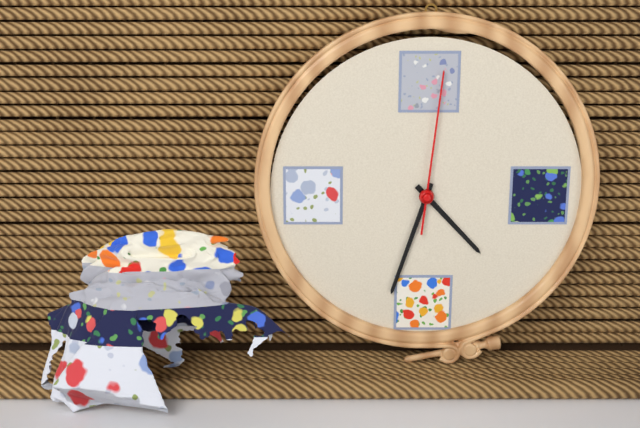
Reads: 4,33,01
